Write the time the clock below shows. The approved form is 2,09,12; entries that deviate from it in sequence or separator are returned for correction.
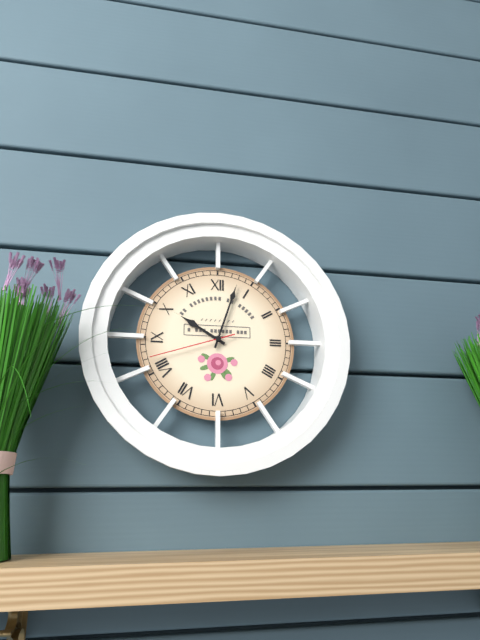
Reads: 10,03,42
